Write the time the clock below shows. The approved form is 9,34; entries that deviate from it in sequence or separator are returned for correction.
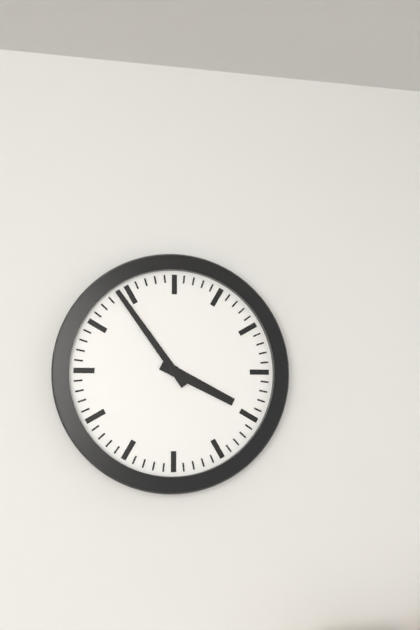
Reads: 3,54
